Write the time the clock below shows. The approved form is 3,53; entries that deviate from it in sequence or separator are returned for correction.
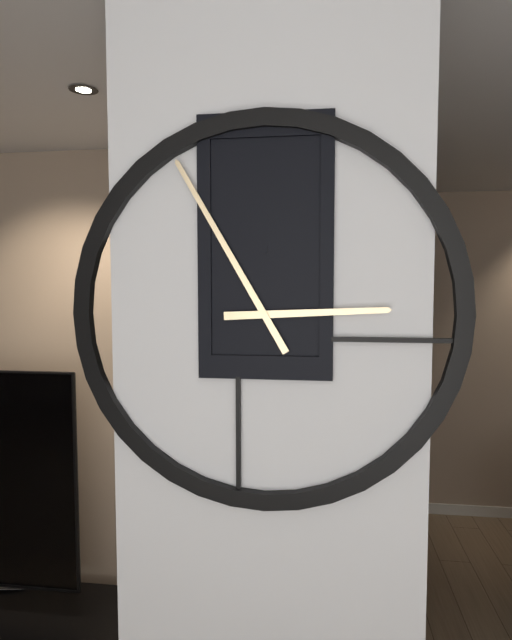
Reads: 2,55
